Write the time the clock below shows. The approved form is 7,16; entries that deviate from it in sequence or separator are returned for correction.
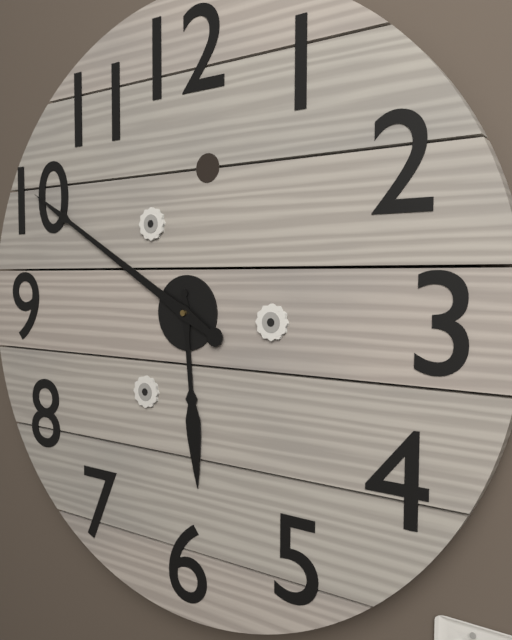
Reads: 5,50
